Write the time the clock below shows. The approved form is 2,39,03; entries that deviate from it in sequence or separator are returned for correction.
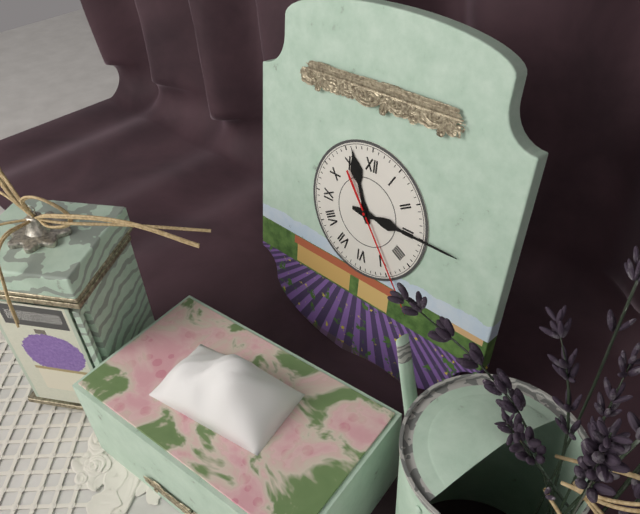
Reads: 11,15,24
